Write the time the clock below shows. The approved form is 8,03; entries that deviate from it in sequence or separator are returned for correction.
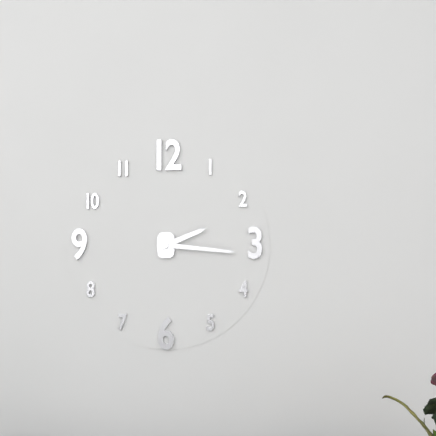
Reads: 2,16
